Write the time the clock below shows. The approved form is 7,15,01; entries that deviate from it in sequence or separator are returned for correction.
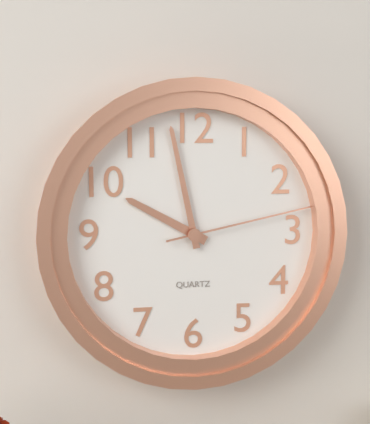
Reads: 9,58,13
